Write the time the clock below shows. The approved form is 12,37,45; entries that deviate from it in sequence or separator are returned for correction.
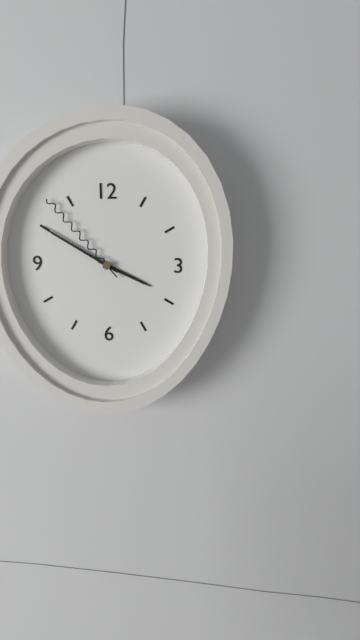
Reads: 3,50,53
